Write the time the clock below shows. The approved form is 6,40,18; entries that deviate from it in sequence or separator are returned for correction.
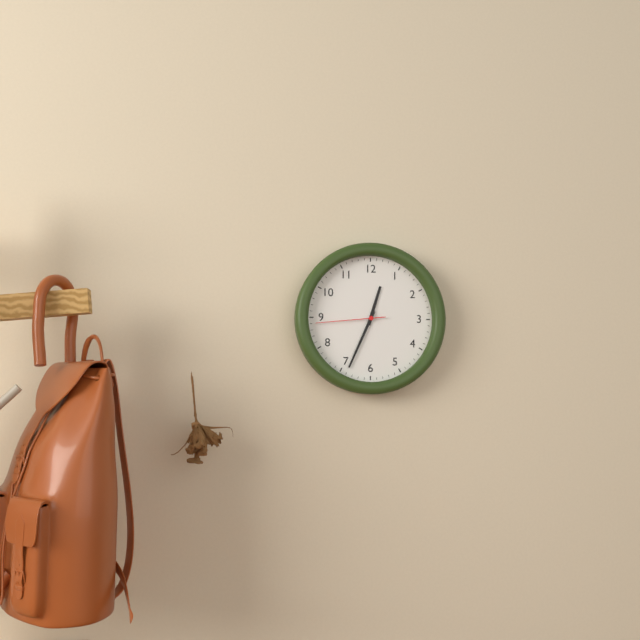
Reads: 12,34,44
